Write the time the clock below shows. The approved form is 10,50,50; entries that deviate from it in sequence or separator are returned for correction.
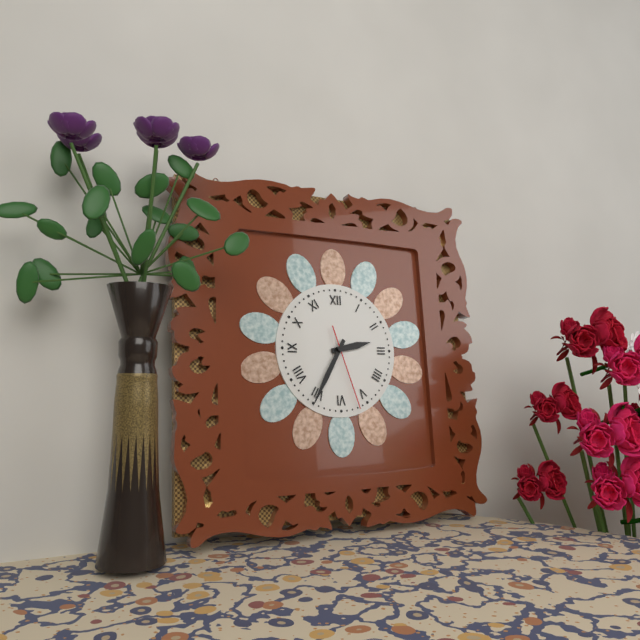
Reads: 2,35,27
